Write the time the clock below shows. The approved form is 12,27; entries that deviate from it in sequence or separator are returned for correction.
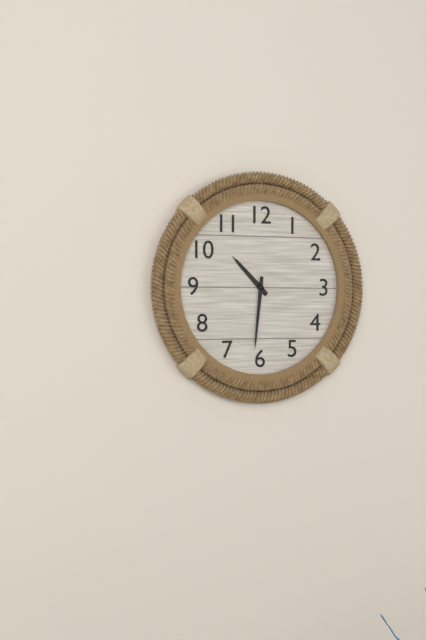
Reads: 10,31
